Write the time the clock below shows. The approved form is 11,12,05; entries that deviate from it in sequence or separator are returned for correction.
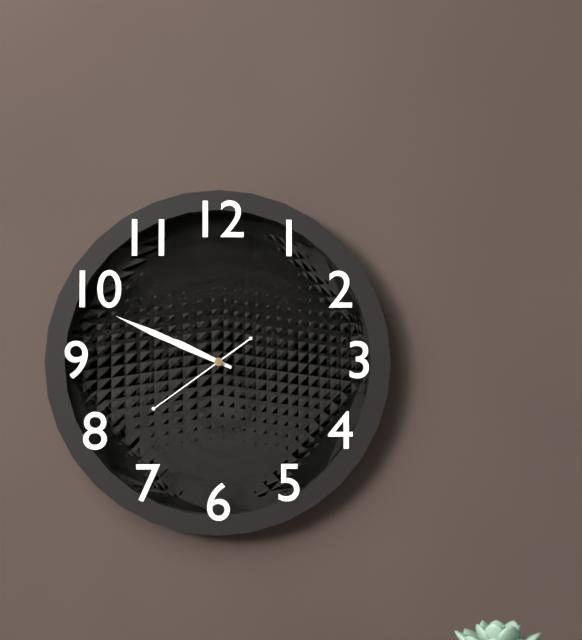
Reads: 9,49,39
